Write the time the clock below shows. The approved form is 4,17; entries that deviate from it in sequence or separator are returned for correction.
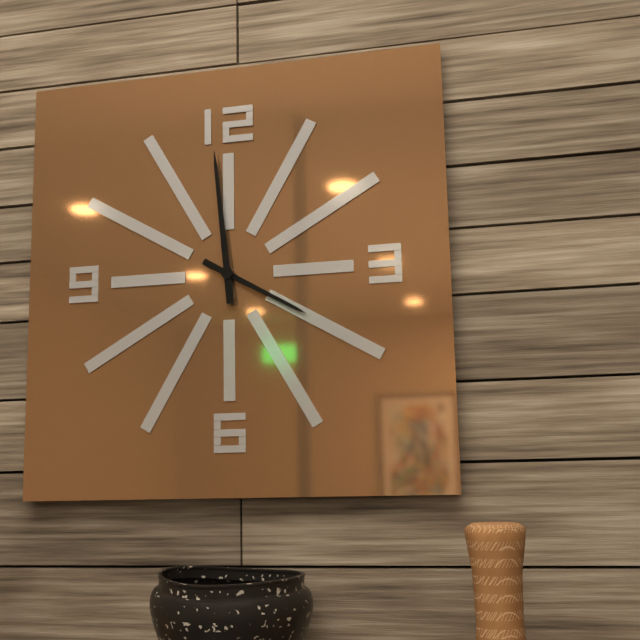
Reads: 3,59
